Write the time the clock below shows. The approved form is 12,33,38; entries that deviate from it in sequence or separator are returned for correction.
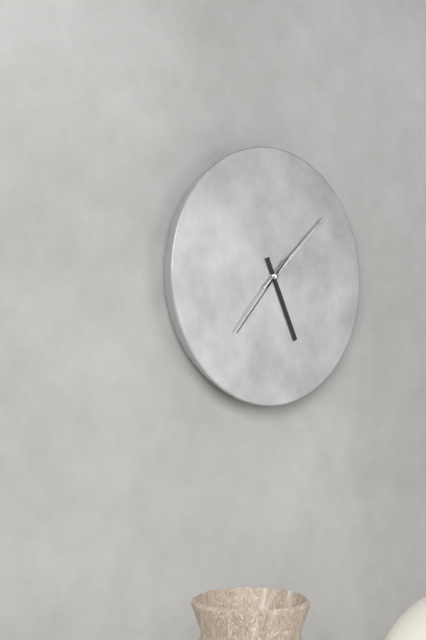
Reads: 5,08,37
